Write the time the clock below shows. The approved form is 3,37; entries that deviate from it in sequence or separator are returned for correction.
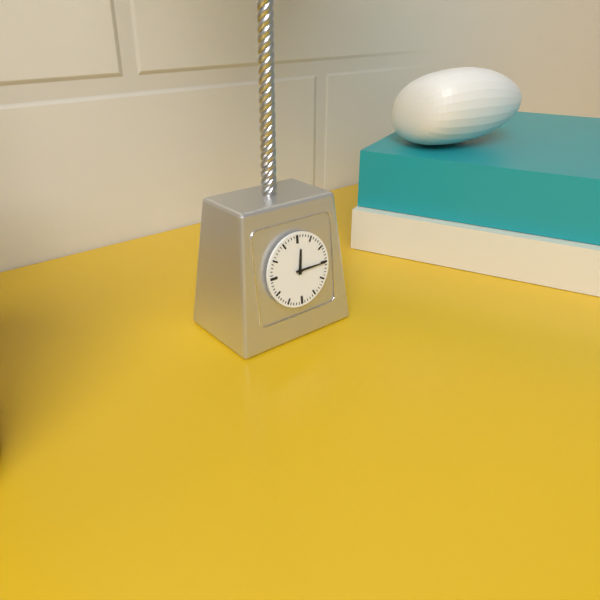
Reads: 12,15
